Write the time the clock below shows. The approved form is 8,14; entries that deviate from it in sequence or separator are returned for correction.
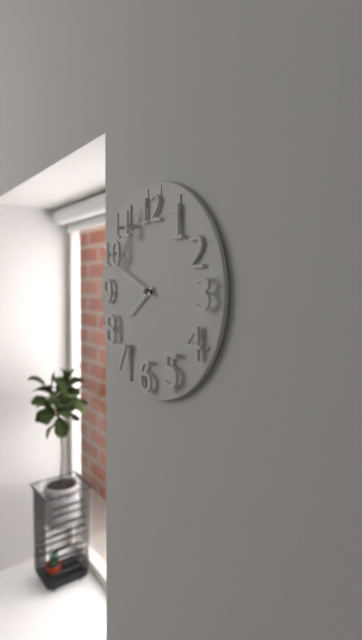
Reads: 7,49
